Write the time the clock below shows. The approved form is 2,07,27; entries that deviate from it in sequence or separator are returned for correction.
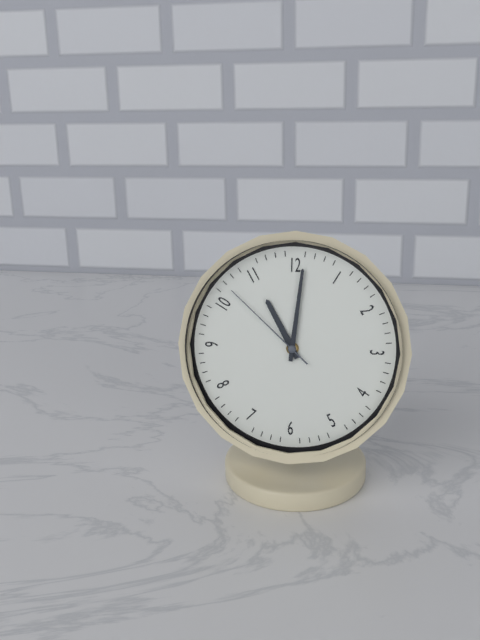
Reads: 11,01,52
